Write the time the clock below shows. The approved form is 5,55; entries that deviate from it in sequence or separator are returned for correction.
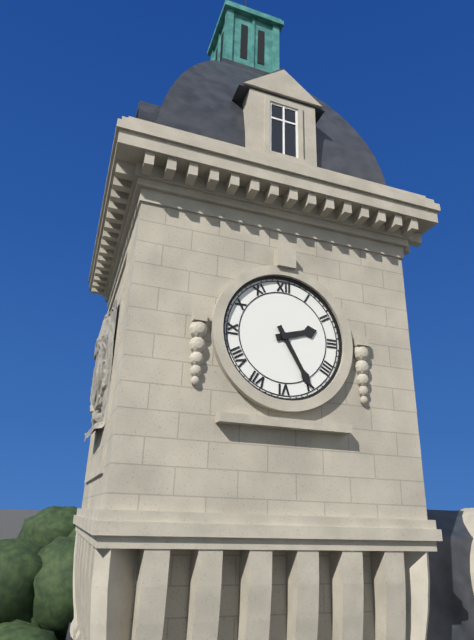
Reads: 2,25
